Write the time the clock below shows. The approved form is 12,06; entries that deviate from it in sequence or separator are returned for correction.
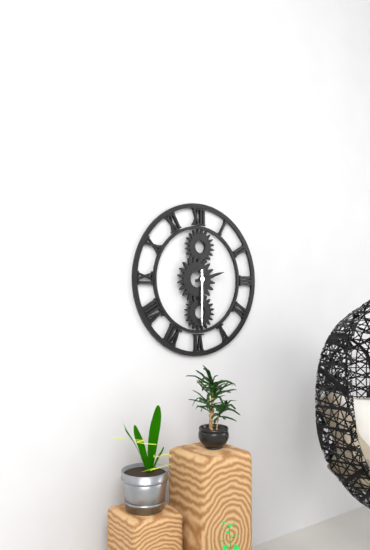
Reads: 2,30
